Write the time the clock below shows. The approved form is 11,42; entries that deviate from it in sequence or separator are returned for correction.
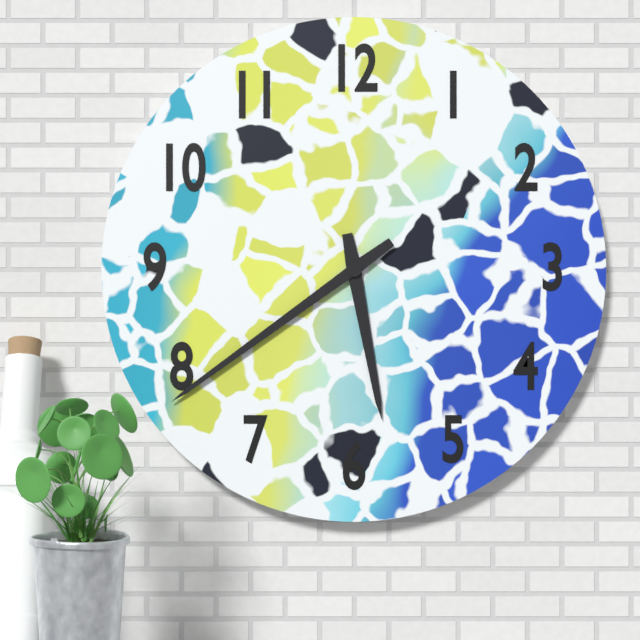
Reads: 5,39
